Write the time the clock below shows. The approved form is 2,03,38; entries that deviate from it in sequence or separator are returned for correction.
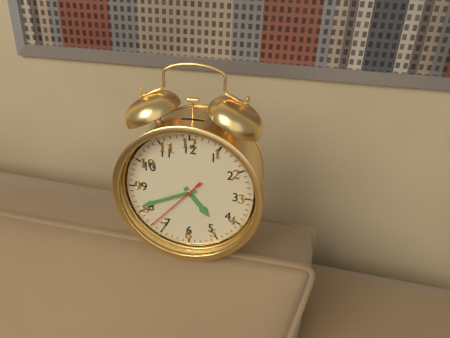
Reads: 4,41,37
